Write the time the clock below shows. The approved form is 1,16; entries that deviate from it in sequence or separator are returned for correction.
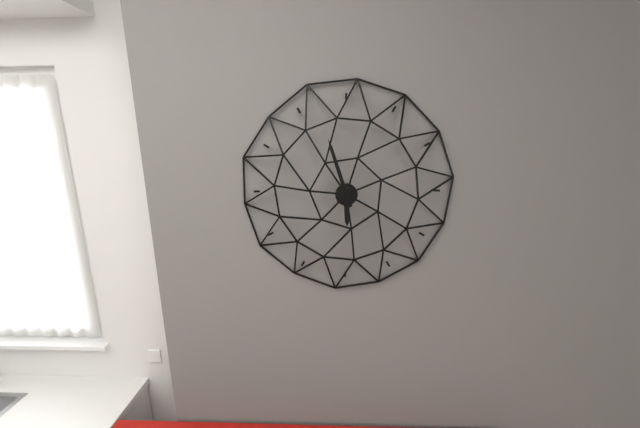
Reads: 5,57
